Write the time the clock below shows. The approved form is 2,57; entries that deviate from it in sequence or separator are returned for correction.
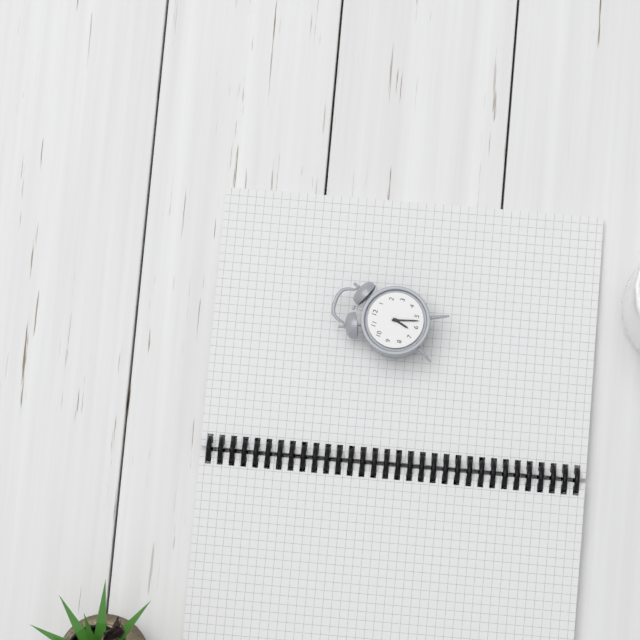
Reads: 6,27
